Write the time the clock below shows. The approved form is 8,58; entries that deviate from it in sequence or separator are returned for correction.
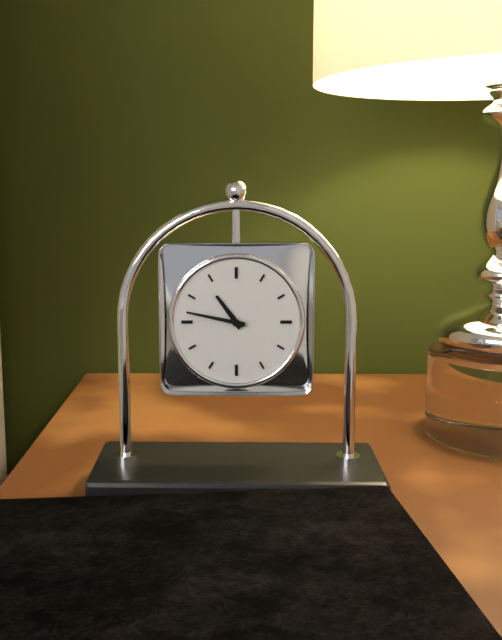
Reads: 10,47
